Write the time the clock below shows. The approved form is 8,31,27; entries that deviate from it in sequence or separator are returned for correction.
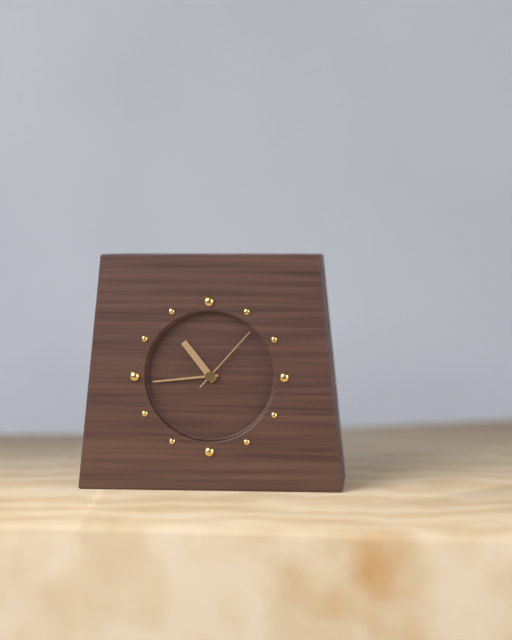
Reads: 10,44,07
